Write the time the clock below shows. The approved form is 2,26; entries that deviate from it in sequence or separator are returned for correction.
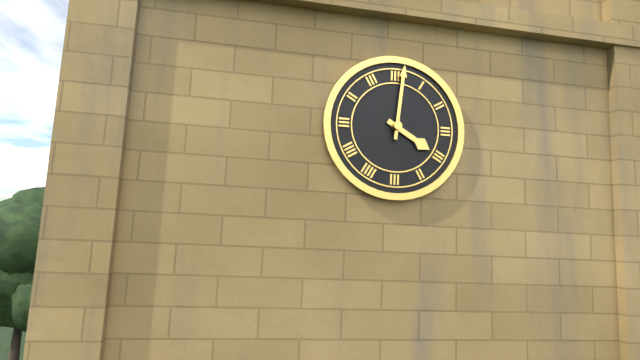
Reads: 4,01
